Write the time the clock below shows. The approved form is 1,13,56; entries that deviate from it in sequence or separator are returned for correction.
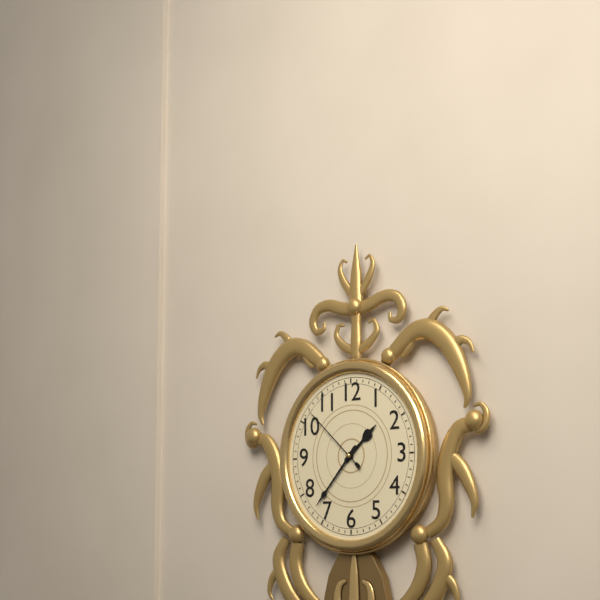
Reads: 1,37,52
